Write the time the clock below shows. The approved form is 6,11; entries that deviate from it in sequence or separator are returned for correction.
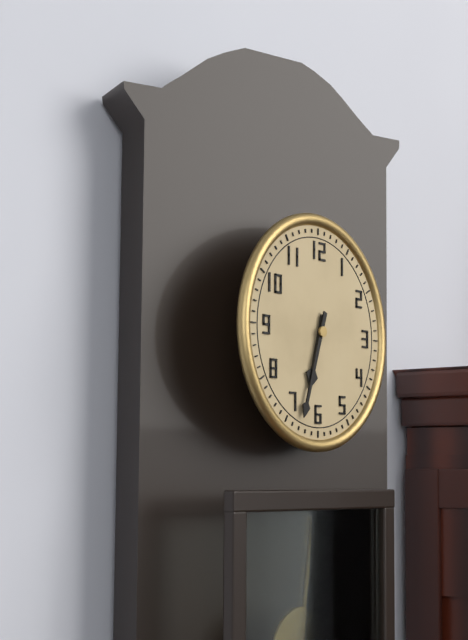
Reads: 6,33
